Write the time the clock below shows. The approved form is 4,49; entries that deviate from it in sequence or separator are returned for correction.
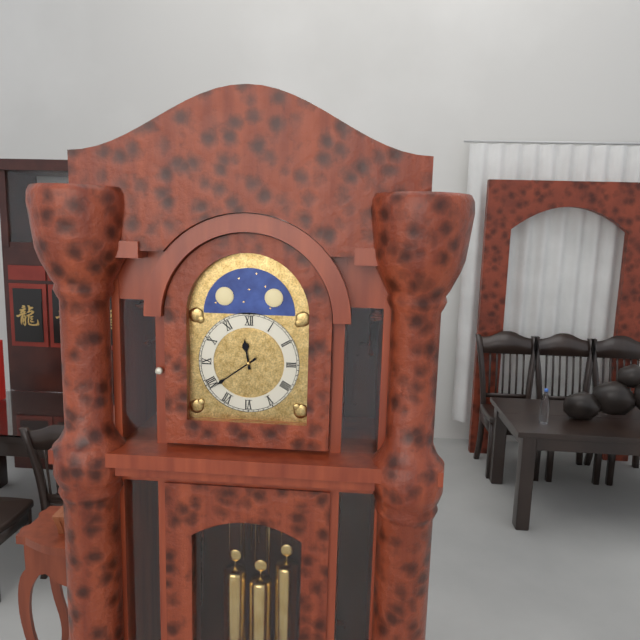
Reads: 11,39
